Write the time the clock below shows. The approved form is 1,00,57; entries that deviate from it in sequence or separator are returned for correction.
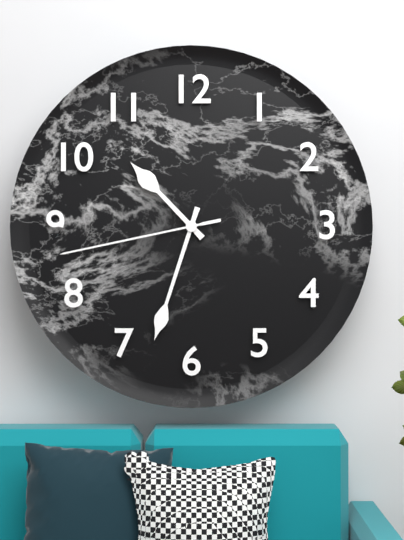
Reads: 10,33,43
